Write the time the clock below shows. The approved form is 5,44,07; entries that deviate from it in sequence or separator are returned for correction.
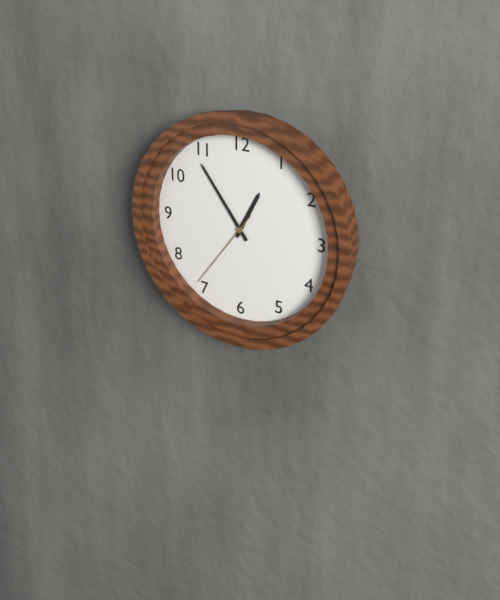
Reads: 12,54,36
